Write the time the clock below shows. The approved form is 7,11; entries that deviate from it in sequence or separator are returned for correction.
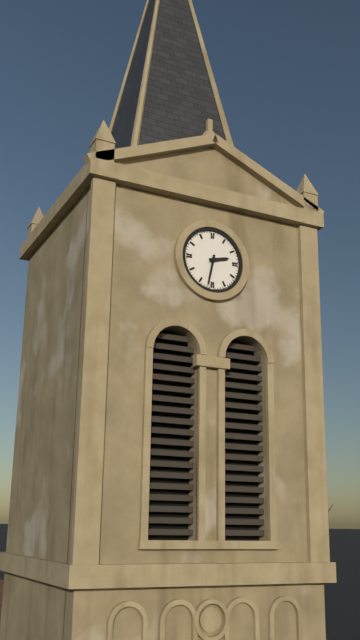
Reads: 2,32
